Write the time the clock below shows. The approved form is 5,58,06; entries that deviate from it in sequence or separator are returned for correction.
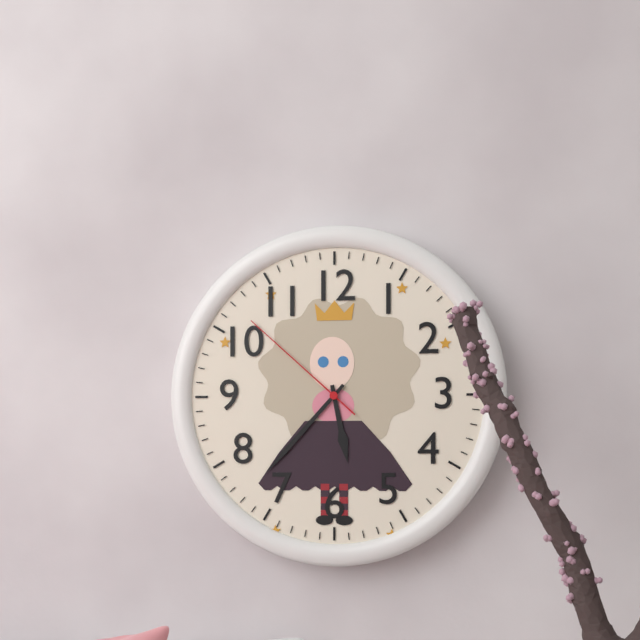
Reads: 5,37,52
